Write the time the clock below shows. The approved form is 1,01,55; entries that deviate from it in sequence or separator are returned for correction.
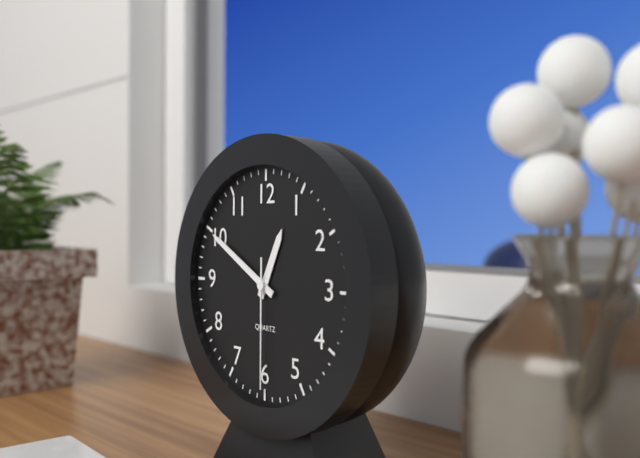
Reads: 12,50,30
